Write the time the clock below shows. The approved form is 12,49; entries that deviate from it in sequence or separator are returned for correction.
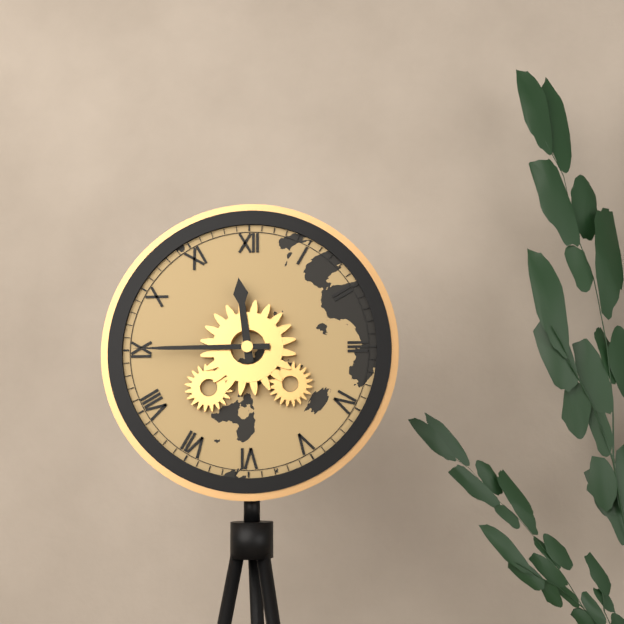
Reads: 11,45
